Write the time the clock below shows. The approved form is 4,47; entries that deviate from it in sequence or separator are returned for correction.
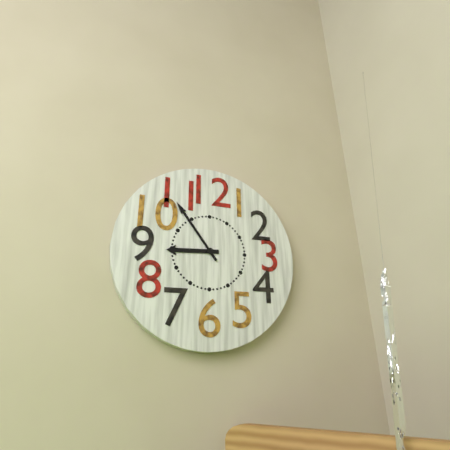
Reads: 8,54
